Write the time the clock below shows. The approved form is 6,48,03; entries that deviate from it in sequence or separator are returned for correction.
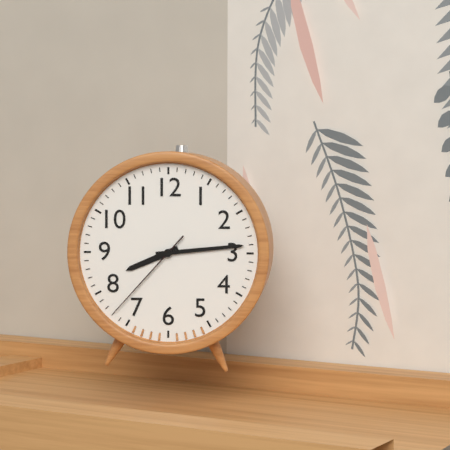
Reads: 8,14,37
